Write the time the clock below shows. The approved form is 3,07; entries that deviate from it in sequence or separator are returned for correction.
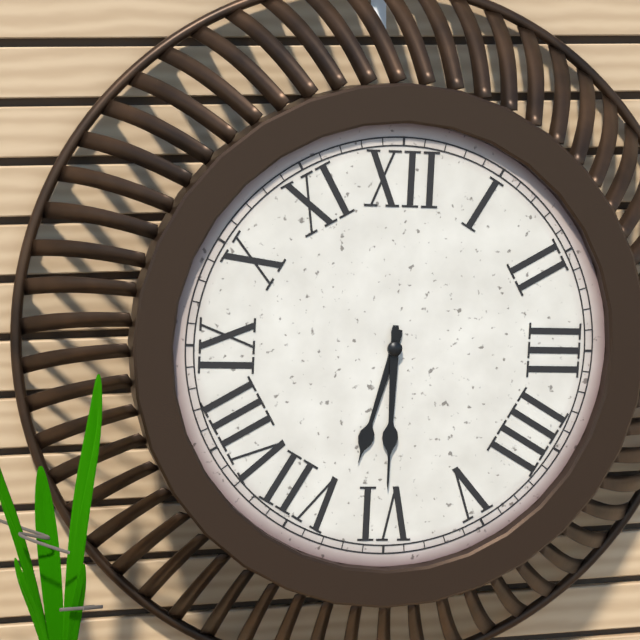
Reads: 6,30
